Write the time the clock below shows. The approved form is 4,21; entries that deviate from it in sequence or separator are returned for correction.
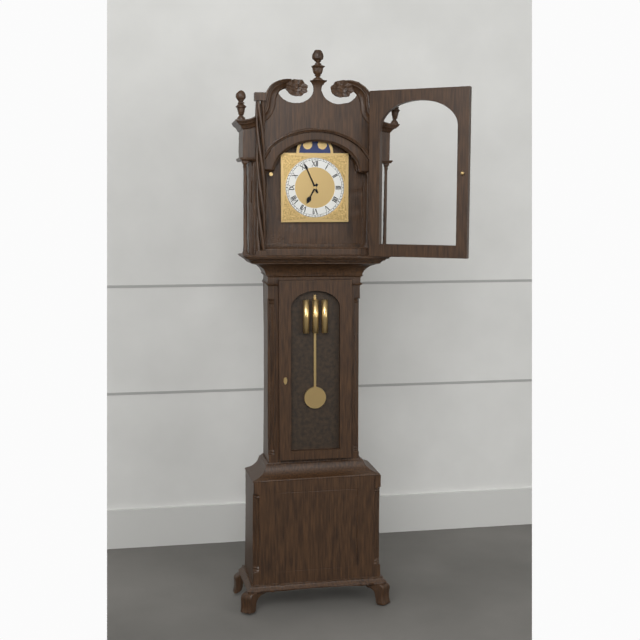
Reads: 6,56
